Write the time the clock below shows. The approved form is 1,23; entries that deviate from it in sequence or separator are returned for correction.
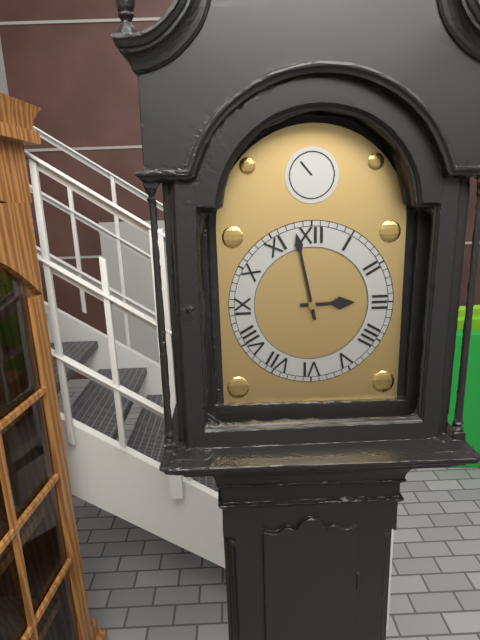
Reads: 2,58
